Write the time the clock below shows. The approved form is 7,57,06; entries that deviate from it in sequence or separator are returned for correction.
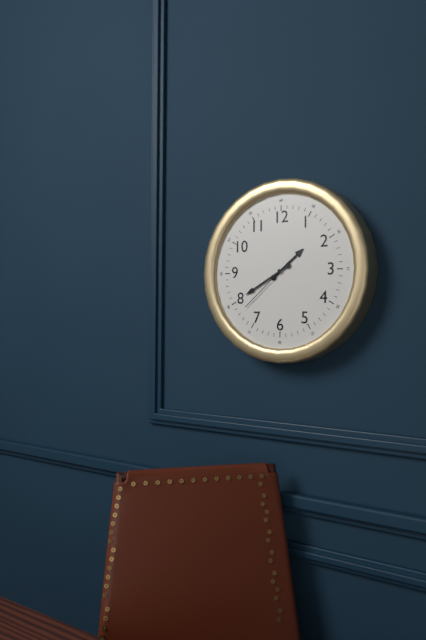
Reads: 1,40,38
